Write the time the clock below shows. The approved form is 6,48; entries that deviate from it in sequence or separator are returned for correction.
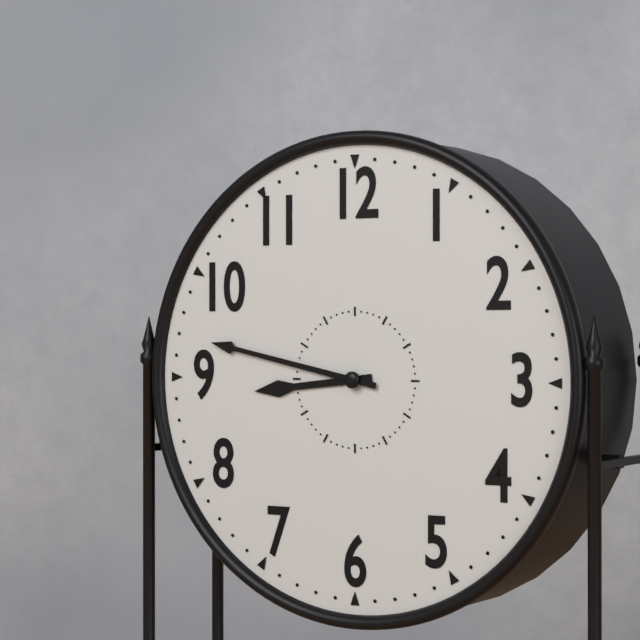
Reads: 8,47
